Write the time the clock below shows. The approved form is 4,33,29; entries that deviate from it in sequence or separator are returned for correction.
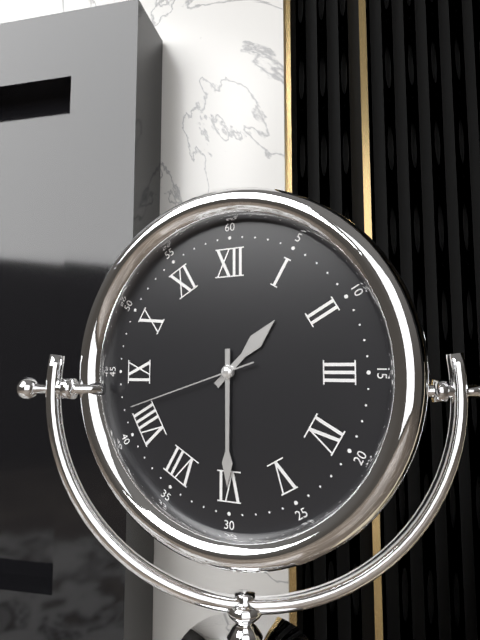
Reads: 1,30,42
